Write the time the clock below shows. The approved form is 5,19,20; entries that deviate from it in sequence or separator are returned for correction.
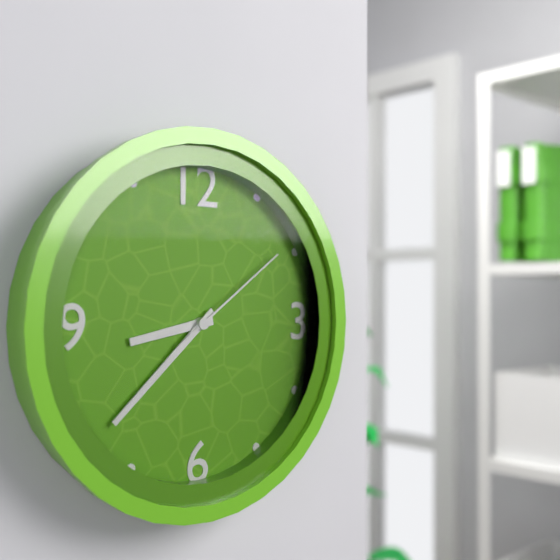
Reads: 8,38,09
